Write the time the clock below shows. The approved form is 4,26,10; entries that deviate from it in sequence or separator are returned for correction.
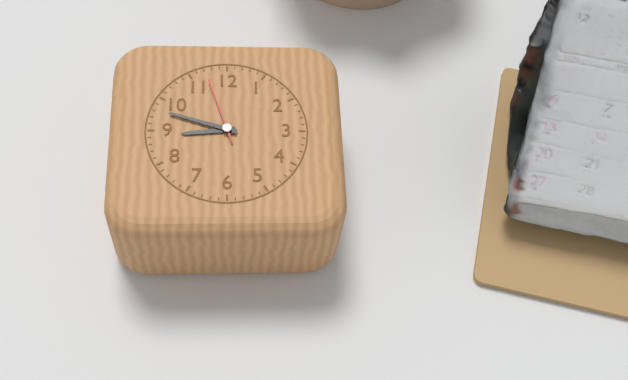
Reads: 8,48,57
